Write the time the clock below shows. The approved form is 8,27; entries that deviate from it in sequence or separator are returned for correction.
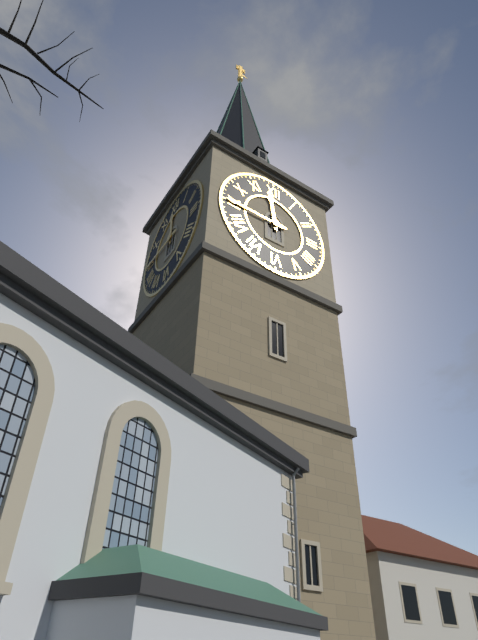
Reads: 11,45
